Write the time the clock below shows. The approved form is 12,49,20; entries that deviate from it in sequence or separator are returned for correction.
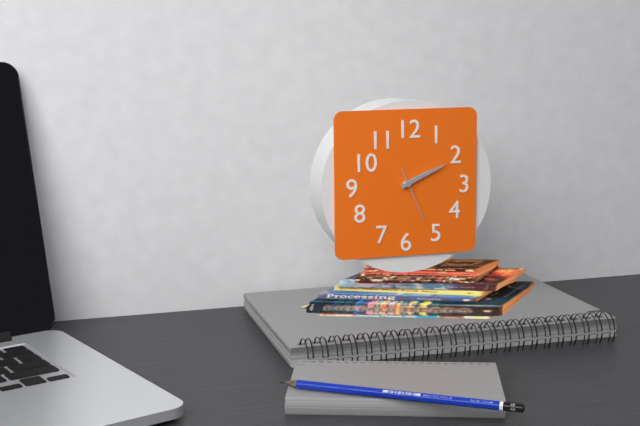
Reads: 2,11,26
